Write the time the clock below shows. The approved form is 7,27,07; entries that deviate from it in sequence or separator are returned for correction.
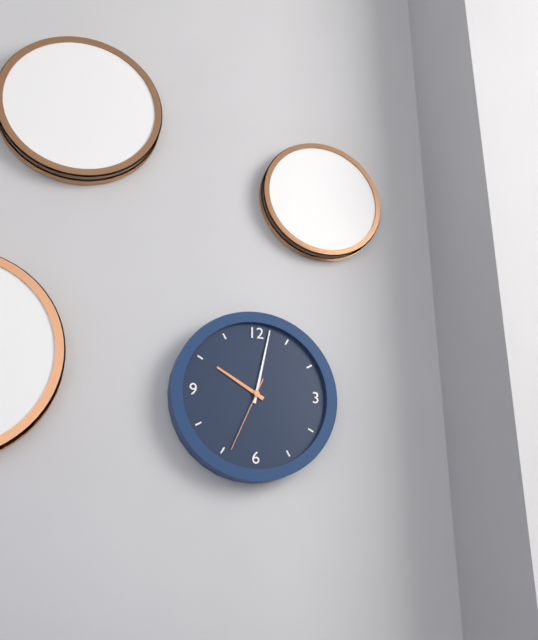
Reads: 10,02,34
